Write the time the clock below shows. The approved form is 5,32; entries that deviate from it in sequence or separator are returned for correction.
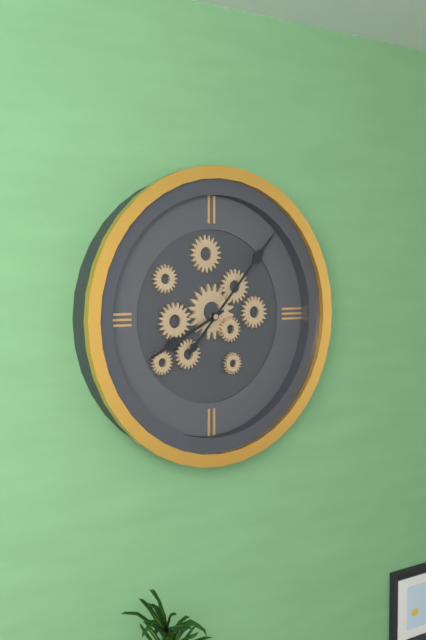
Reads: 8,07
